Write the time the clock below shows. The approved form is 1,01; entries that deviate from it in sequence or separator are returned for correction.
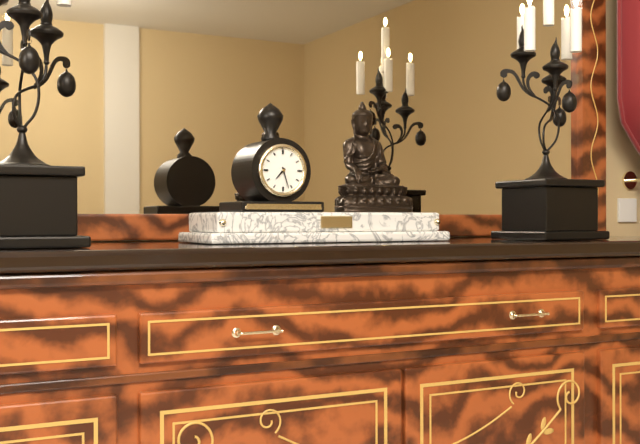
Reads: 7,27
